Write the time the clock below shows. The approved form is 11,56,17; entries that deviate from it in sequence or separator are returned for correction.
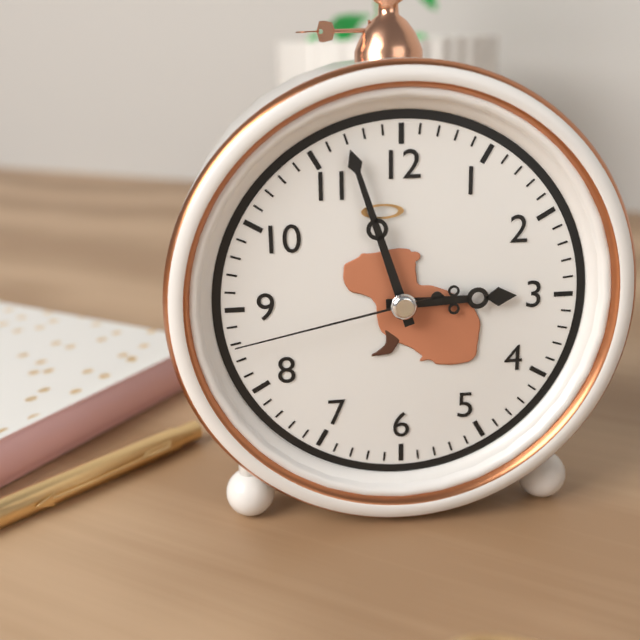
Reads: 2,57,43
